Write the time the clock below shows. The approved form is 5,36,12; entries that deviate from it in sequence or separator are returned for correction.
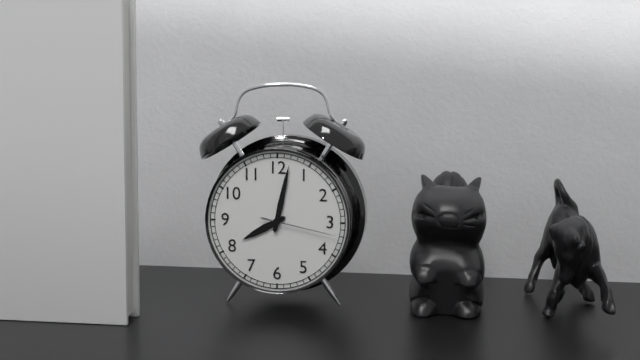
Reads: 8,02,17
